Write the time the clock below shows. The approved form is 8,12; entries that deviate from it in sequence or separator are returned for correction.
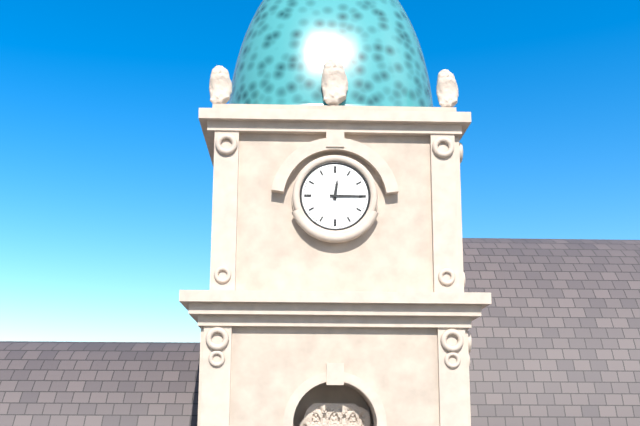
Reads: 12,15
